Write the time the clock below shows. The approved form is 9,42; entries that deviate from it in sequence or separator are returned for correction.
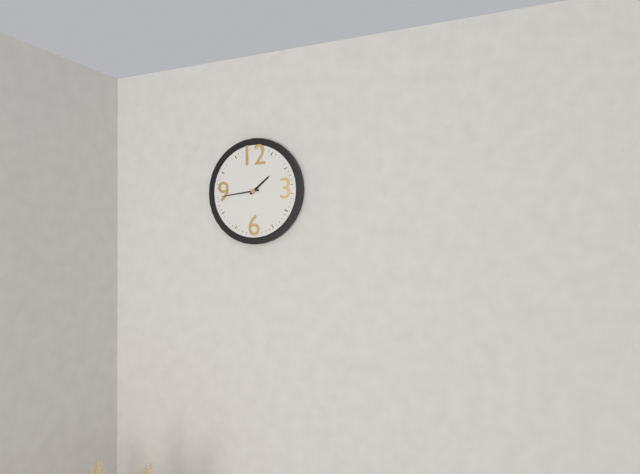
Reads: 1,44
